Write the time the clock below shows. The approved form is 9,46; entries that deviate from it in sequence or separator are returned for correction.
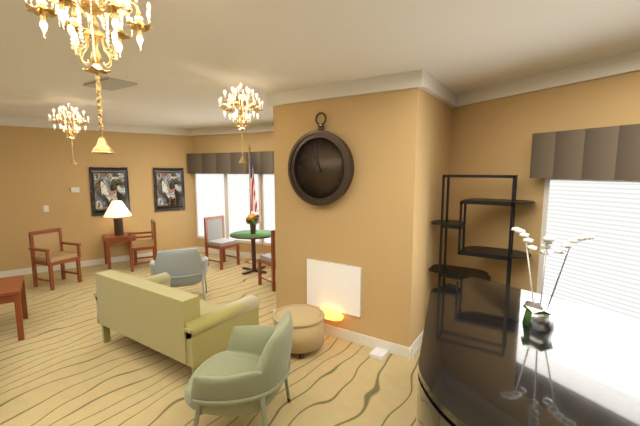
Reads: 10,58
